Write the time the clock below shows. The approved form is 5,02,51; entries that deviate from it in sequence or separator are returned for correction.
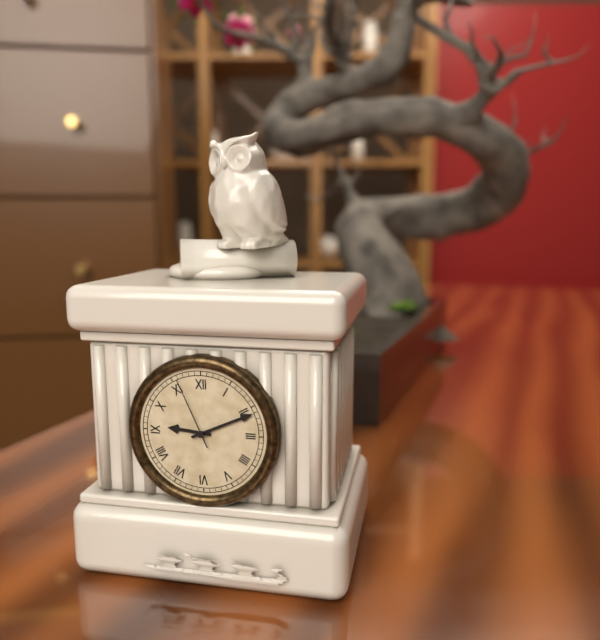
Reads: 9,11,56
